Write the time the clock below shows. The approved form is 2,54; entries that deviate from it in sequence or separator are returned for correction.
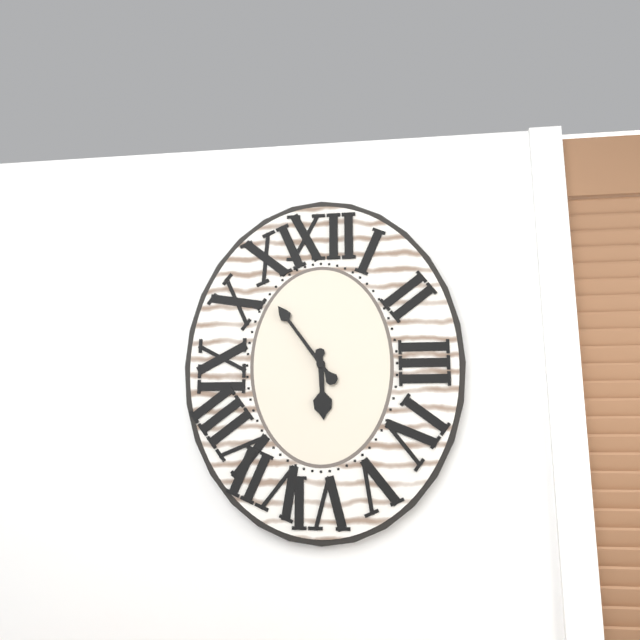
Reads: 5,54
